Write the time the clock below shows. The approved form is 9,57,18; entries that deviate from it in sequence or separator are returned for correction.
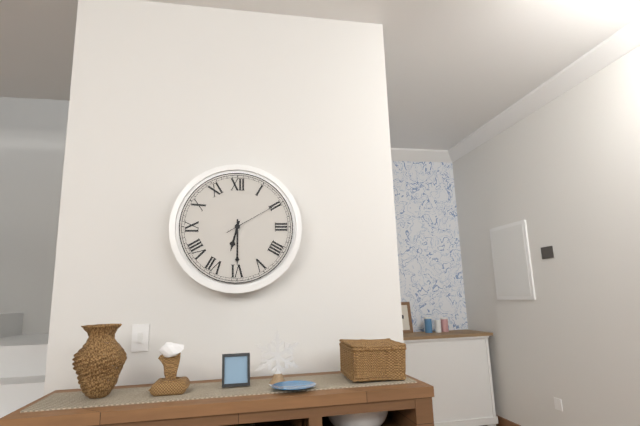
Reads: 6,30,10
